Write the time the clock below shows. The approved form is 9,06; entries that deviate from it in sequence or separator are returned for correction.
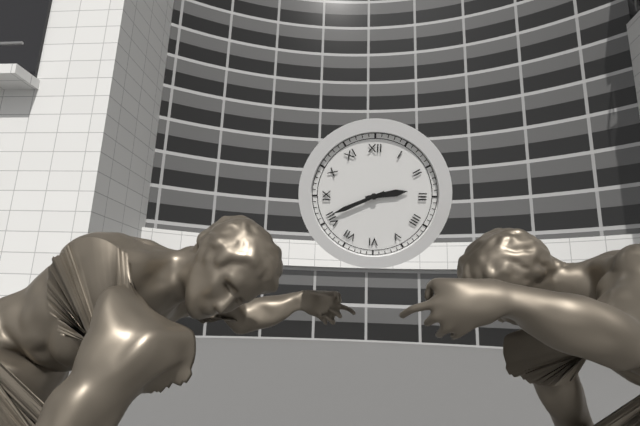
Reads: 2,41
